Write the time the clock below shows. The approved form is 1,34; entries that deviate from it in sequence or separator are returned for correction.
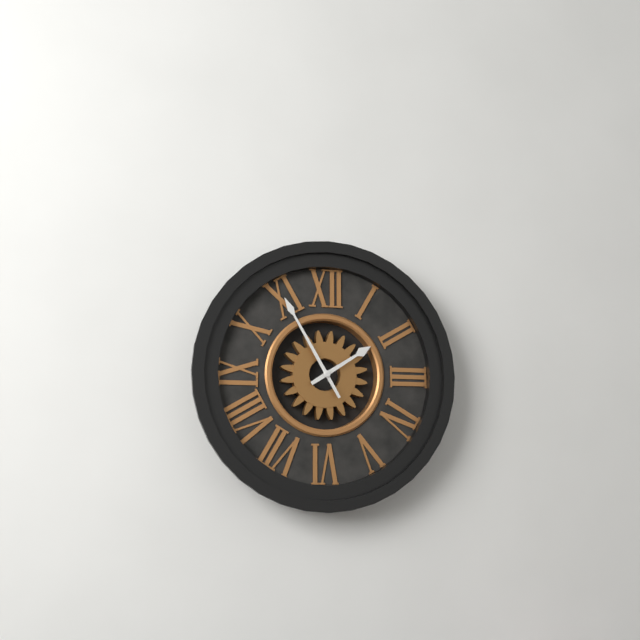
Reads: 1,55
